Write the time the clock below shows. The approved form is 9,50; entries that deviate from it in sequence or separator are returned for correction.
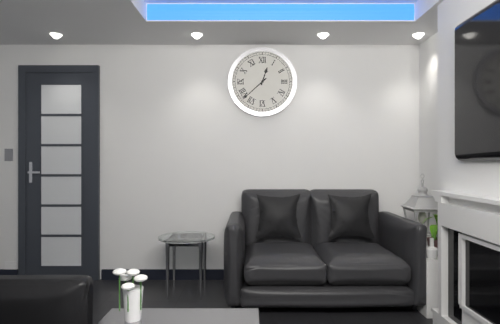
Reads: 12,38
